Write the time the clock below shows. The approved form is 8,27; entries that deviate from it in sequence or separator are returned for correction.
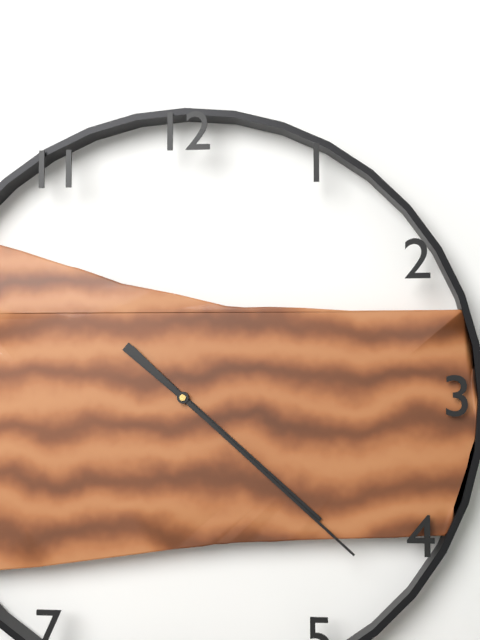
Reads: 4,22
